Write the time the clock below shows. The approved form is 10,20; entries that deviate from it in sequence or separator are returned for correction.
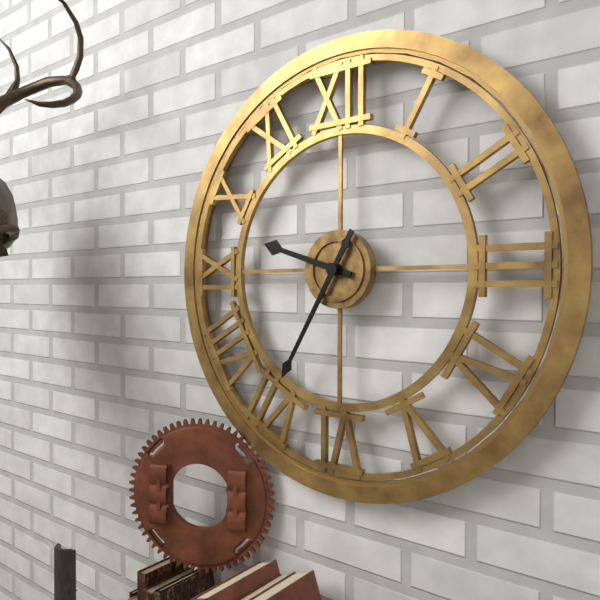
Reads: 9,35
